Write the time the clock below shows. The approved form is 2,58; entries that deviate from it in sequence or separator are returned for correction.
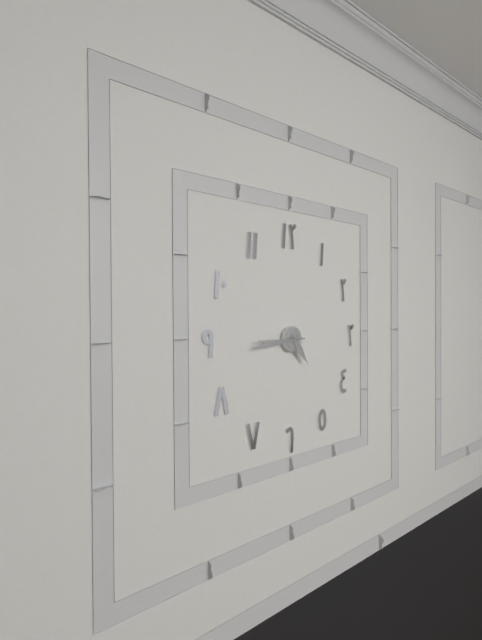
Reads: 4,44
